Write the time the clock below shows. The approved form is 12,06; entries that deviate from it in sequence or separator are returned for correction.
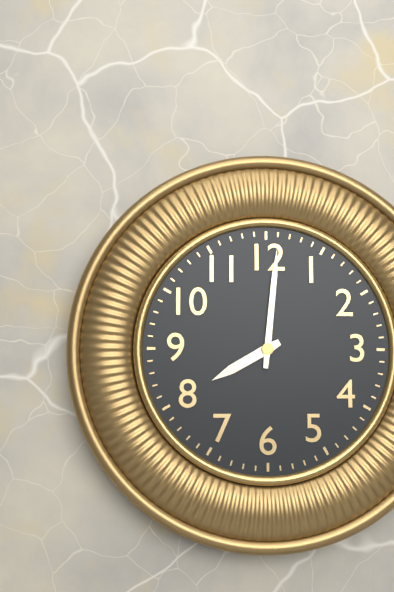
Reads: 8,01
